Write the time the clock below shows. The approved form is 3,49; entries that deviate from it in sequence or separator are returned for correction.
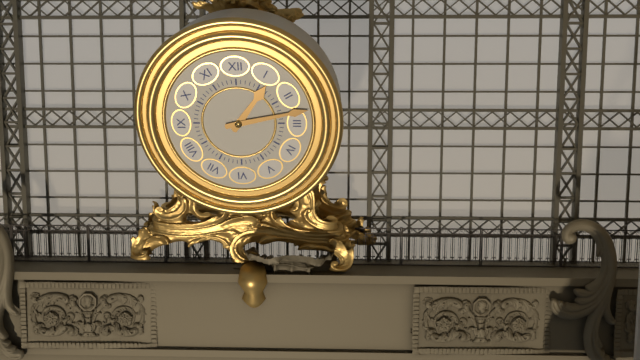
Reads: 1,13
